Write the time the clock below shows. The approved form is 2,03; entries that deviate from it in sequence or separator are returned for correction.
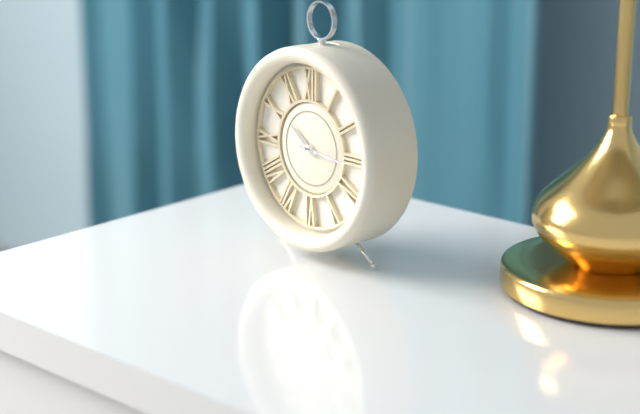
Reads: 10,16
